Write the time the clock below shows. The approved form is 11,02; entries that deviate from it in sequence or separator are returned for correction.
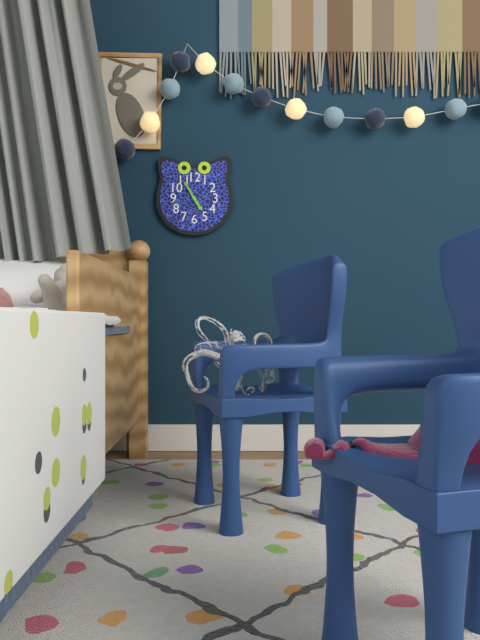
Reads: 4,55
